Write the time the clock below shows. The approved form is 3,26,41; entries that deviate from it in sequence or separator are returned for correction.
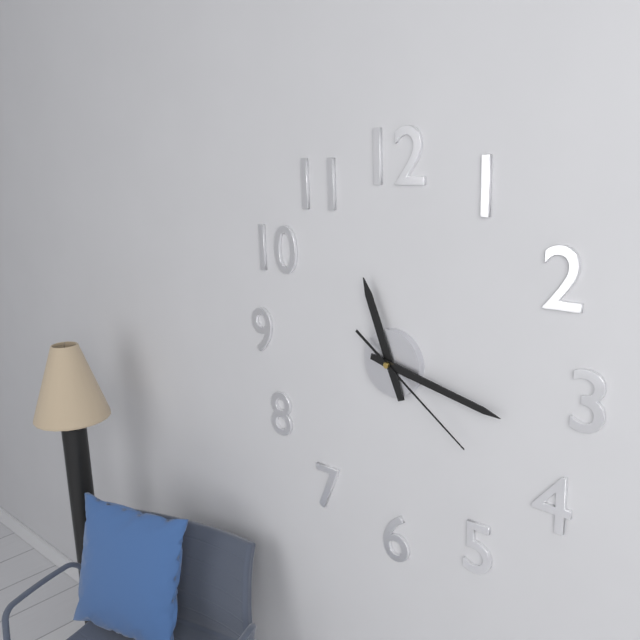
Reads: 11,17,21
